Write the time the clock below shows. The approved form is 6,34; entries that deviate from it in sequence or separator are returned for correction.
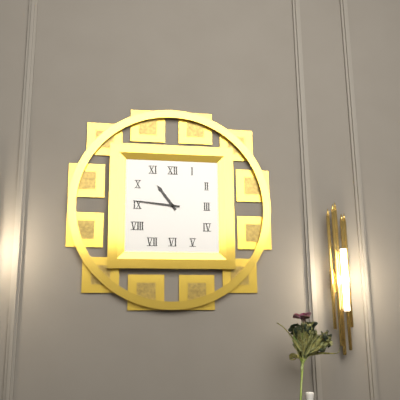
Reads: 10,46
